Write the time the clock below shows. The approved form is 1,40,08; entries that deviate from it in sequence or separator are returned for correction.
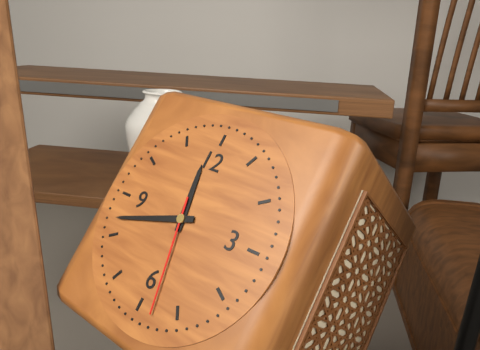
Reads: 11,42,28
